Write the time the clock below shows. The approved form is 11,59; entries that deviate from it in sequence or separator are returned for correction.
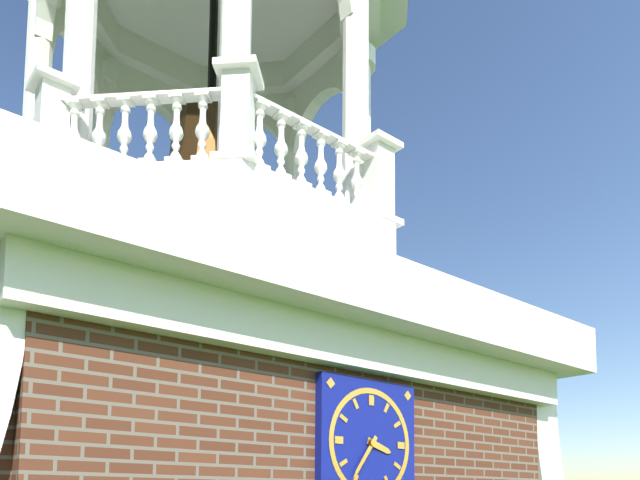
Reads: 3,36
